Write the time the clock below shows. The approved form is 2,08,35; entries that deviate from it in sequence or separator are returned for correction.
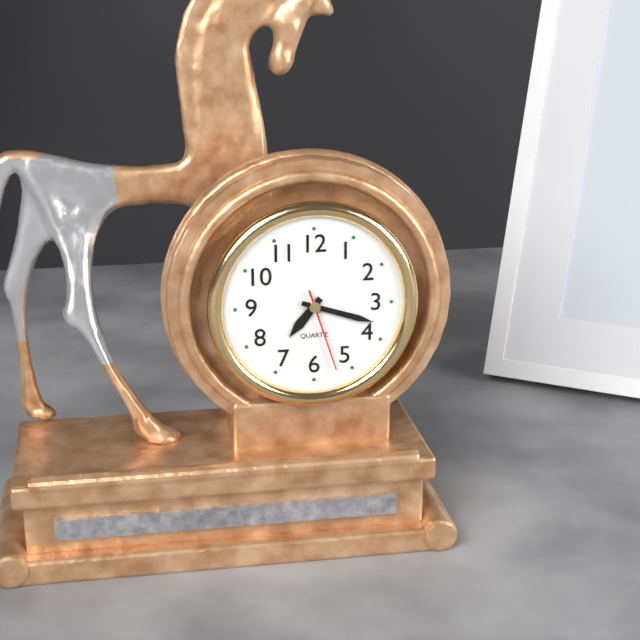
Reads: 7,18,27
